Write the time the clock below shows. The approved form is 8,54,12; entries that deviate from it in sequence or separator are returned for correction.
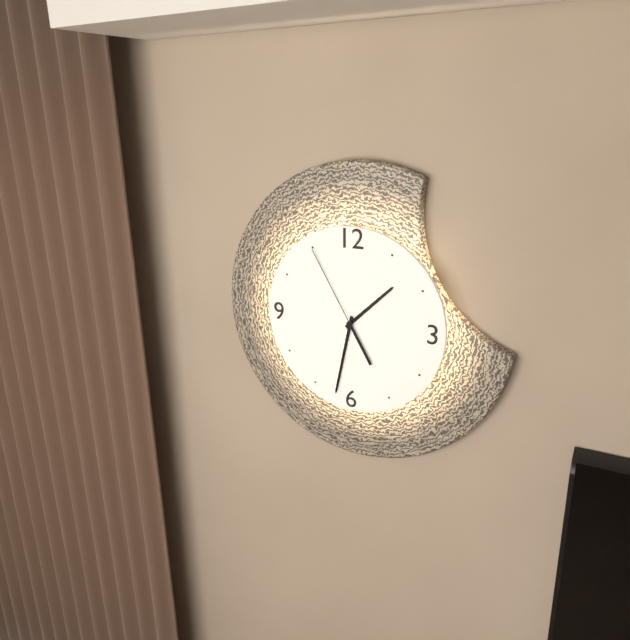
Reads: 1,32,55
